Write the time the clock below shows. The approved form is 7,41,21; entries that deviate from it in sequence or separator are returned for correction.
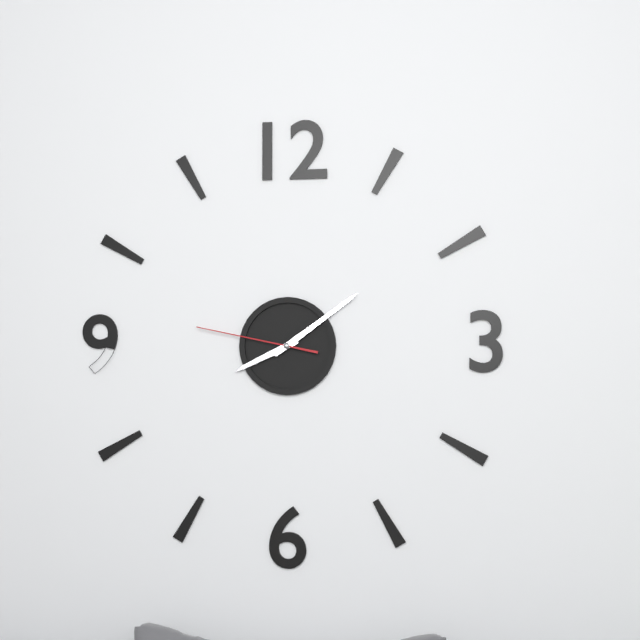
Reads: 8,09,47
